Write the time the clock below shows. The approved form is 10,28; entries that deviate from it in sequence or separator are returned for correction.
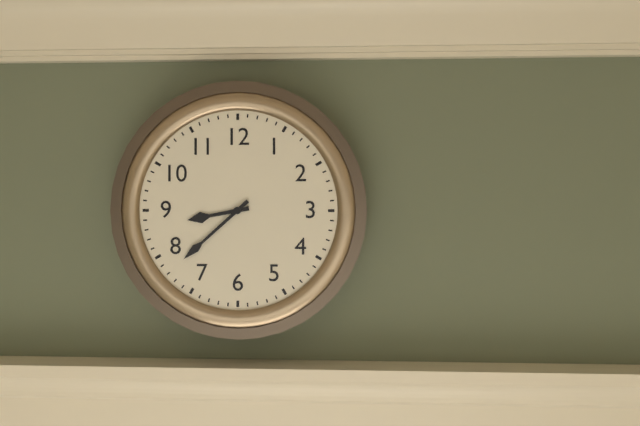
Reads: 8,38
